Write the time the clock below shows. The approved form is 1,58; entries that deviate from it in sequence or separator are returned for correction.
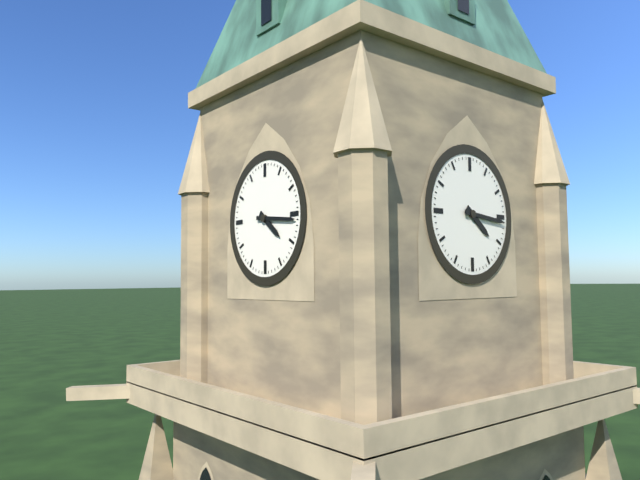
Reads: 4,16
